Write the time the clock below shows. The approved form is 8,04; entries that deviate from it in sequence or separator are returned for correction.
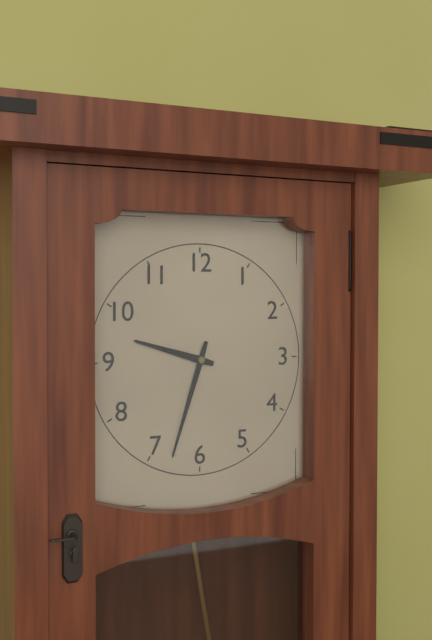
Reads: 9,33
